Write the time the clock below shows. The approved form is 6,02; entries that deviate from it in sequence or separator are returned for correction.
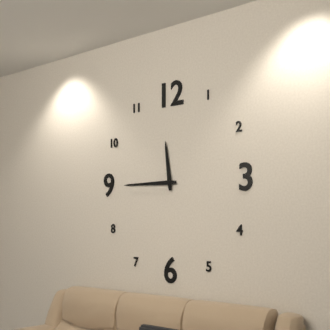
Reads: 11,45
